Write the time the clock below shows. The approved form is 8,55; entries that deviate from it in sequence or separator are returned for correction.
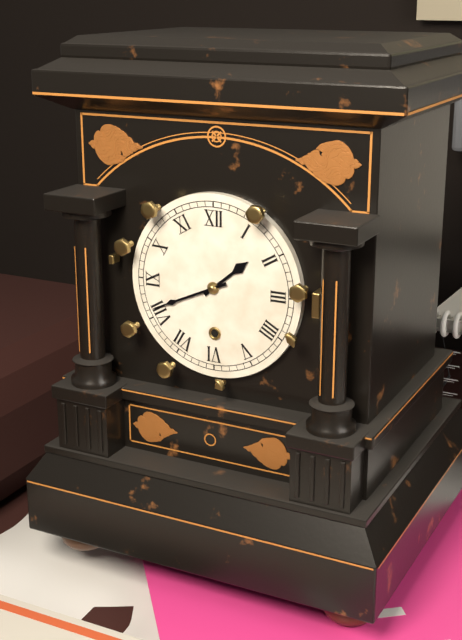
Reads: 1,41
